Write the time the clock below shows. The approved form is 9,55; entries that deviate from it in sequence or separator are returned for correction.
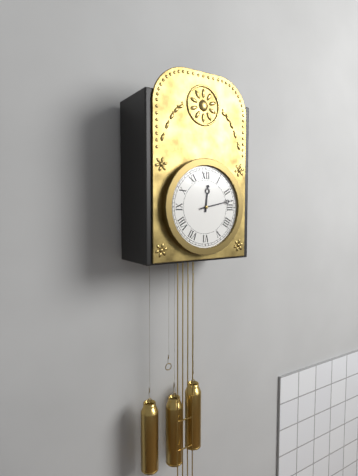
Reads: 12,13
